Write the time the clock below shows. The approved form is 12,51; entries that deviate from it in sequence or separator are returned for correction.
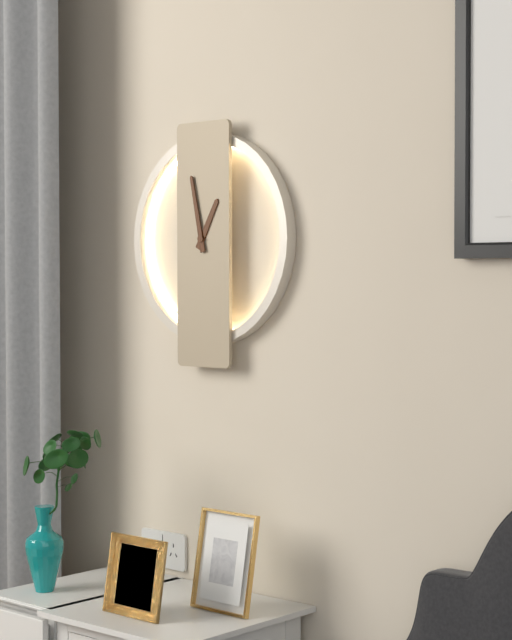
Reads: 12,58
